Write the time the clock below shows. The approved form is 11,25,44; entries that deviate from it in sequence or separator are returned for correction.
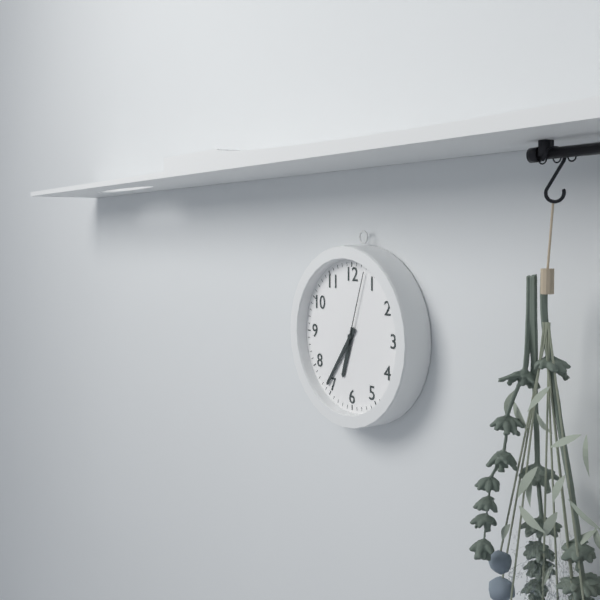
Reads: 6,36,03
